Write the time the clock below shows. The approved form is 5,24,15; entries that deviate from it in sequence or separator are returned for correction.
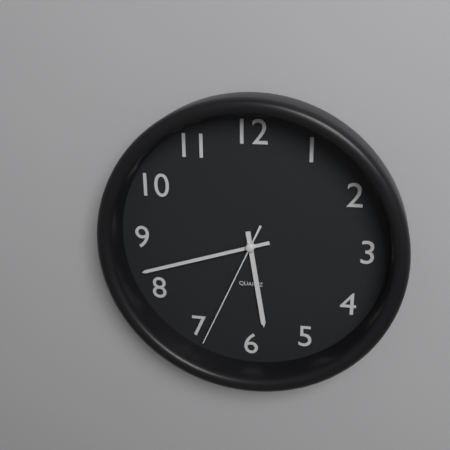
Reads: 5,42,34
